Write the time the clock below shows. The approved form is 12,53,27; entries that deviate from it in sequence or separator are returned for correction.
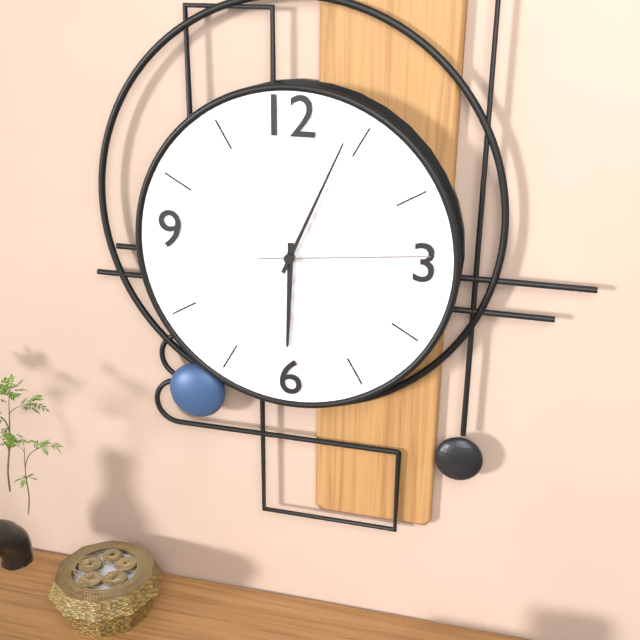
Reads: 6,04,14
